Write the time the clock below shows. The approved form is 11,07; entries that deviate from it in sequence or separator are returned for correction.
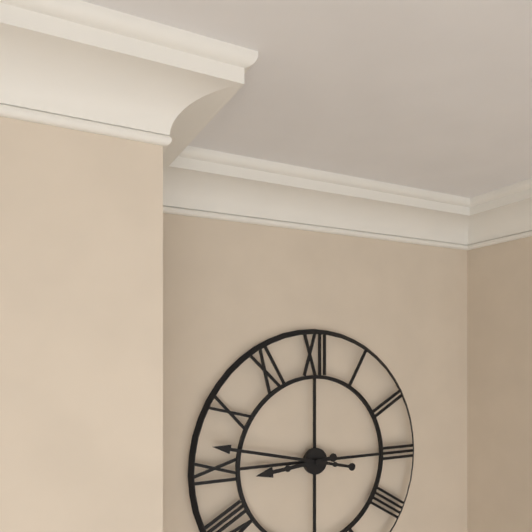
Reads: 8,47
